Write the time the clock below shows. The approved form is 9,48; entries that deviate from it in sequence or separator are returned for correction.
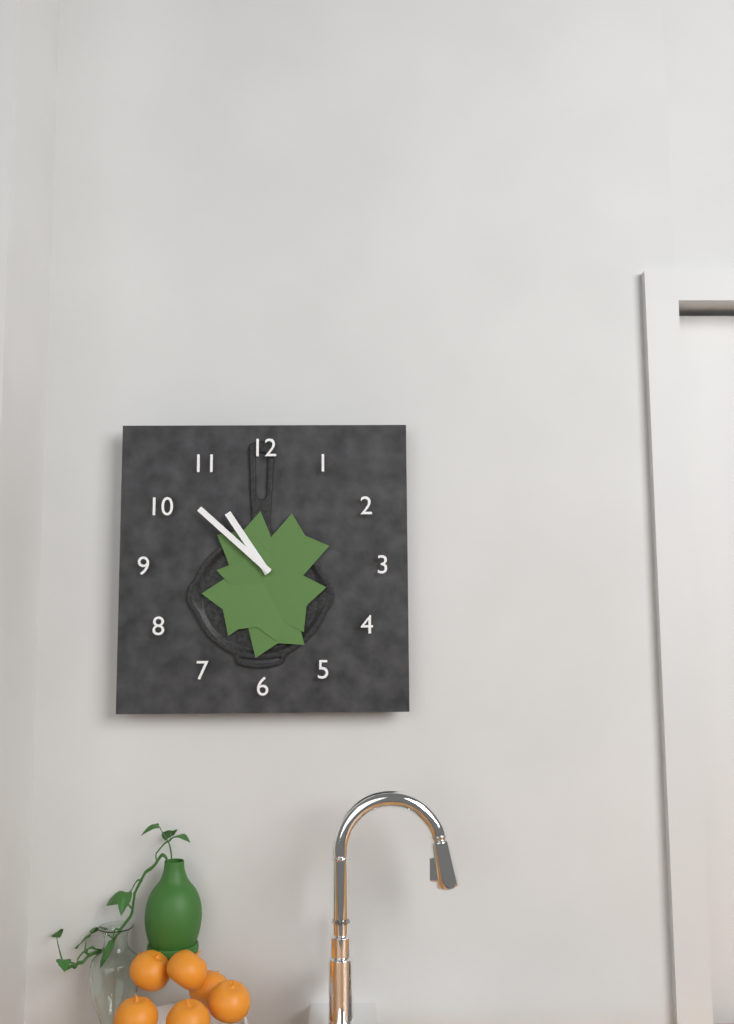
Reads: 10,52
